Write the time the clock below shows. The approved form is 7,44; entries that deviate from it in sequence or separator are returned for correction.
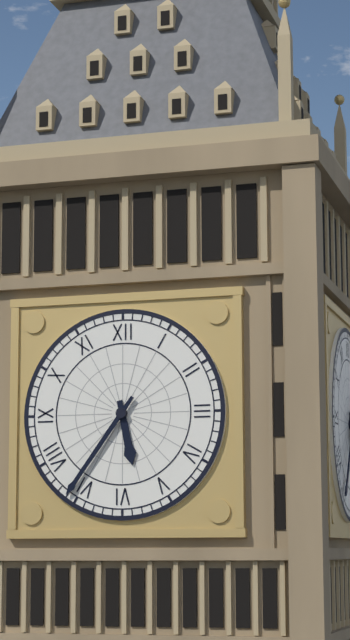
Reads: 5,36
